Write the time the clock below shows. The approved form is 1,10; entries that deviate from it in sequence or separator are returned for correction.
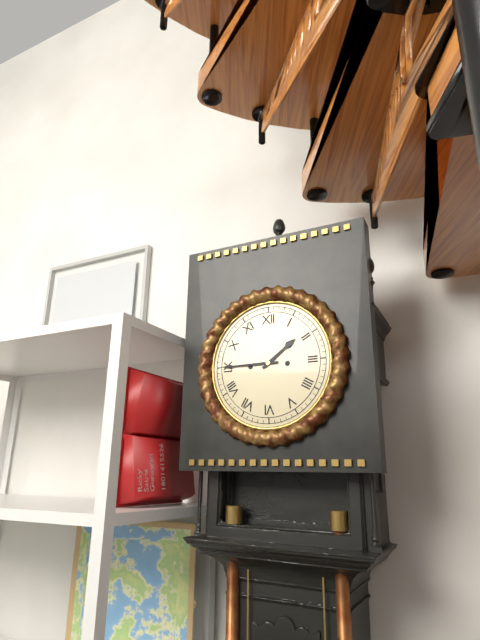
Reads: 1,45
